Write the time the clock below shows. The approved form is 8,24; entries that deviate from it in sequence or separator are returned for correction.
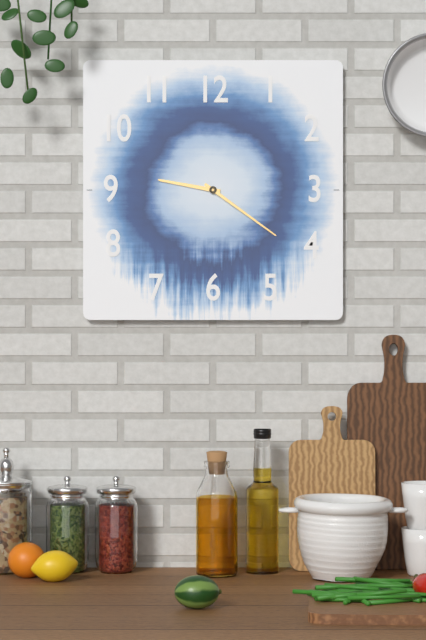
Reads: 9,21
